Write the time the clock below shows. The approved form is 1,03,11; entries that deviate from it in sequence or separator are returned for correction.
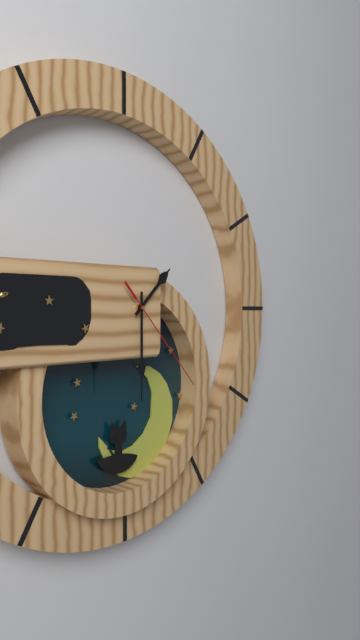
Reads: 1,30,23
